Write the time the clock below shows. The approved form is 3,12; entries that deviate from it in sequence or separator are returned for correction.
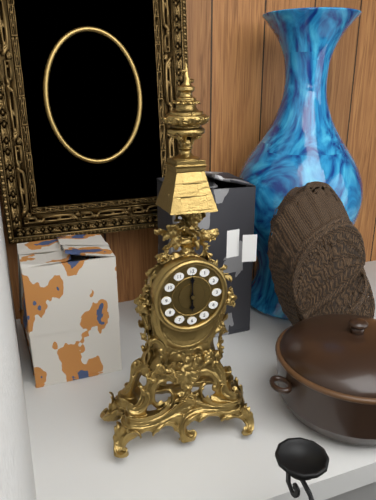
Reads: 6,00
